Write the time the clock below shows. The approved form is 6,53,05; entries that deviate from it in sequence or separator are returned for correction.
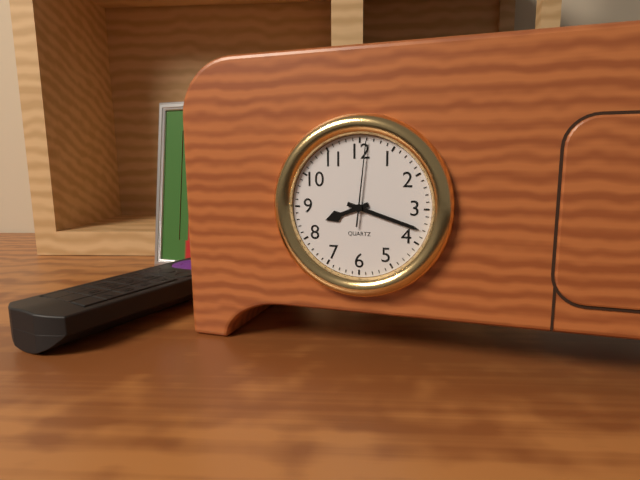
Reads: 8,18,01
